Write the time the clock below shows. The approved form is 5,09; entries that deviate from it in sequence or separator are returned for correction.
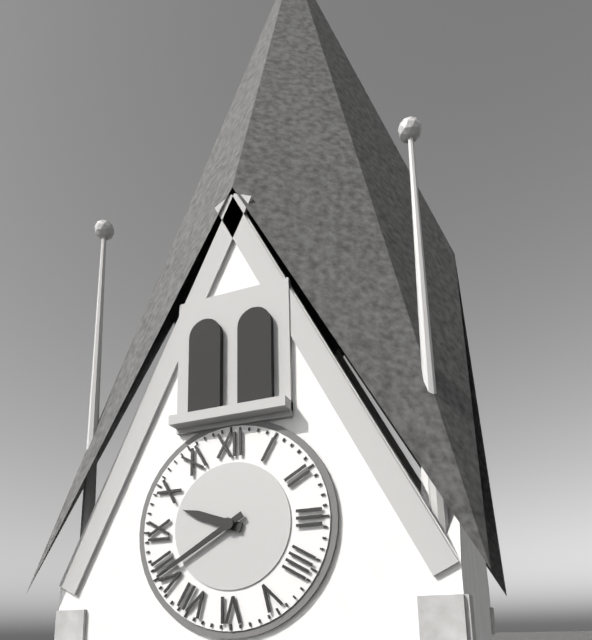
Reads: 9,40
